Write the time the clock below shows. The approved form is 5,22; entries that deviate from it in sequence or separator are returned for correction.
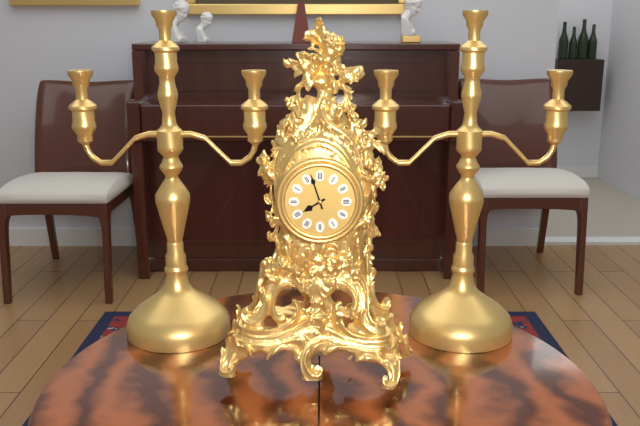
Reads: 7,57
